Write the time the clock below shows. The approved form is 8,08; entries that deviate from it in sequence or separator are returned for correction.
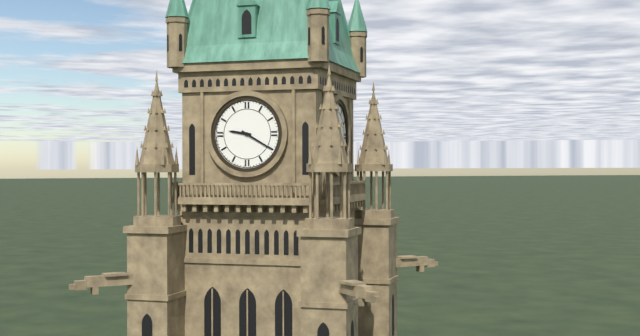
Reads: 9,20
